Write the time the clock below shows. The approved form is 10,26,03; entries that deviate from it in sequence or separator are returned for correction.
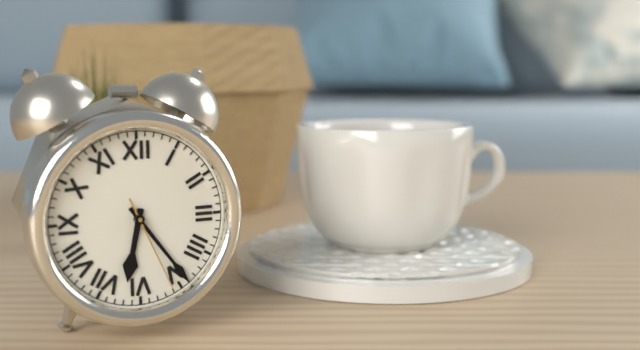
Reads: 6,24,26
